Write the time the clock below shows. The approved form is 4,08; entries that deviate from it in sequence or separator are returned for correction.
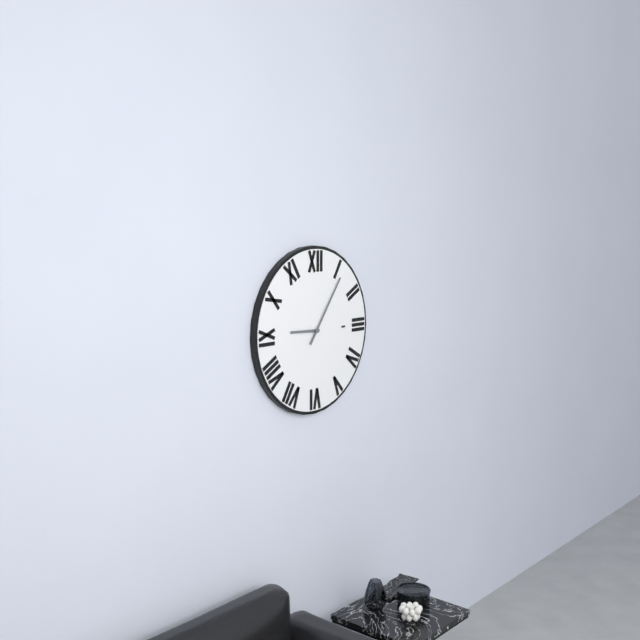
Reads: 9,06
